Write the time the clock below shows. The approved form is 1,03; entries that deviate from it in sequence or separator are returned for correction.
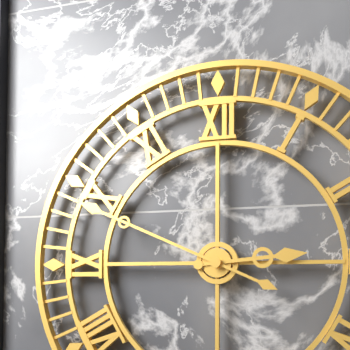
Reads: 2,49
